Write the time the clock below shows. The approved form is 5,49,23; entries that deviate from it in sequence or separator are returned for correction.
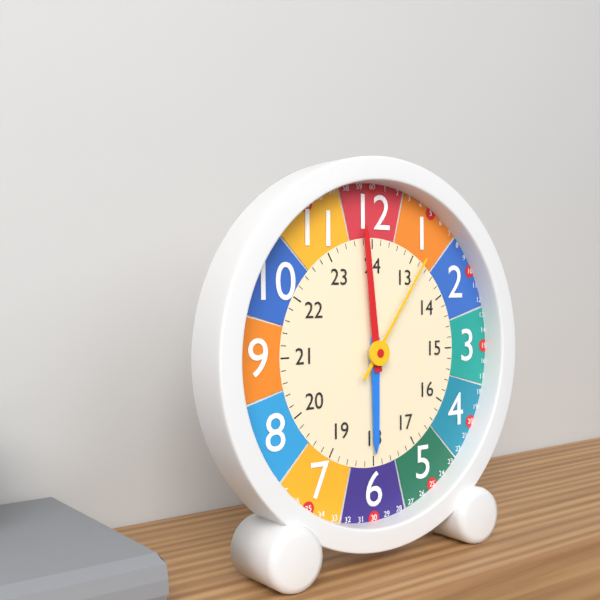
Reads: 5,59,06
